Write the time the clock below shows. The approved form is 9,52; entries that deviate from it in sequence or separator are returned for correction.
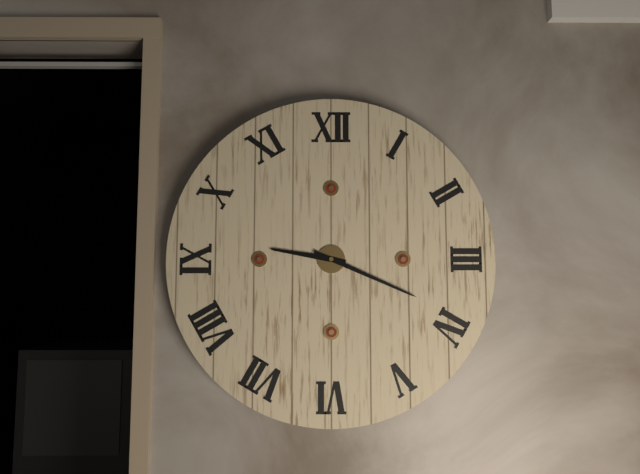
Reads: 9,19
